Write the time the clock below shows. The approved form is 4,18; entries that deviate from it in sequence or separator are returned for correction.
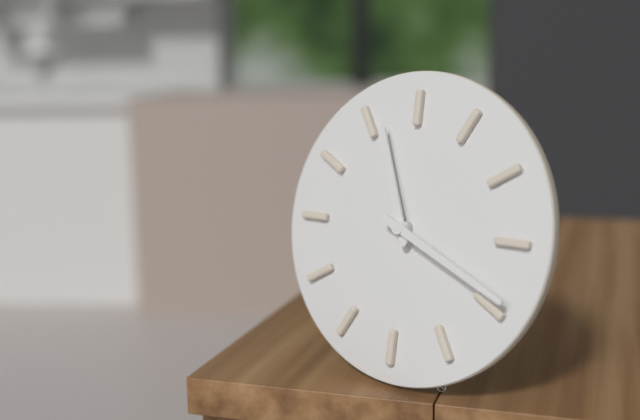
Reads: 11,19
